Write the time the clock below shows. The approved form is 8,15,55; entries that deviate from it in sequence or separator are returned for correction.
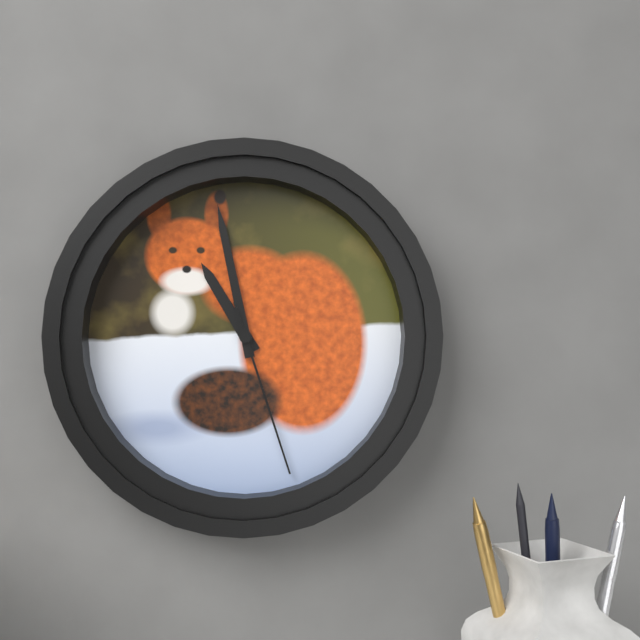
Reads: 10,58,27
